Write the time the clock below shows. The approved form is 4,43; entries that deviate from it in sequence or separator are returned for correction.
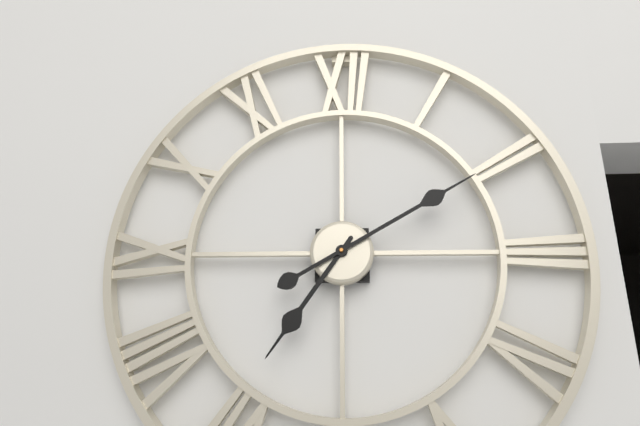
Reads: 7,10
